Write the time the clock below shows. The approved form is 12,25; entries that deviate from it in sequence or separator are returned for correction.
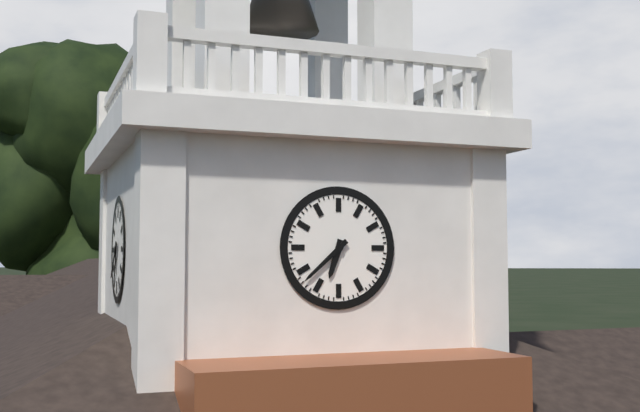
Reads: 6,38
